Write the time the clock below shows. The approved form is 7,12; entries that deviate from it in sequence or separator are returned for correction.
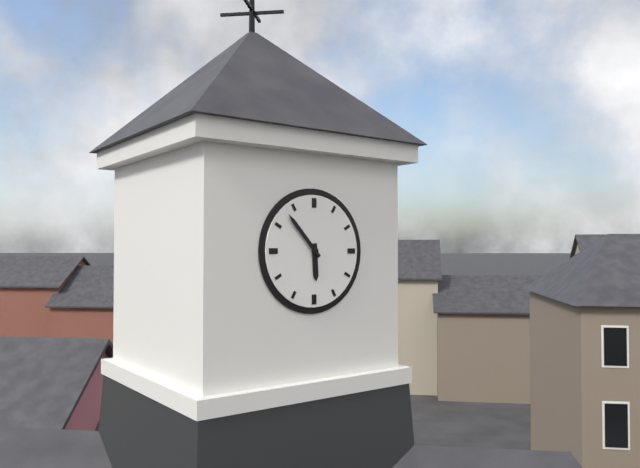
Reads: 5,53
